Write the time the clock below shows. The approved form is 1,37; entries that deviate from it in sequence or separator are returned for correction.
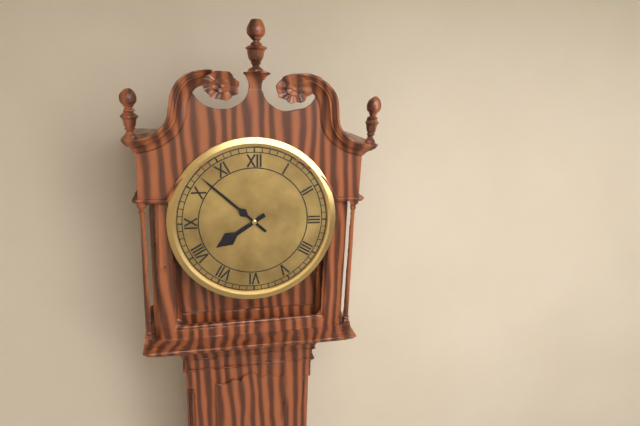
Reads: 7,52
